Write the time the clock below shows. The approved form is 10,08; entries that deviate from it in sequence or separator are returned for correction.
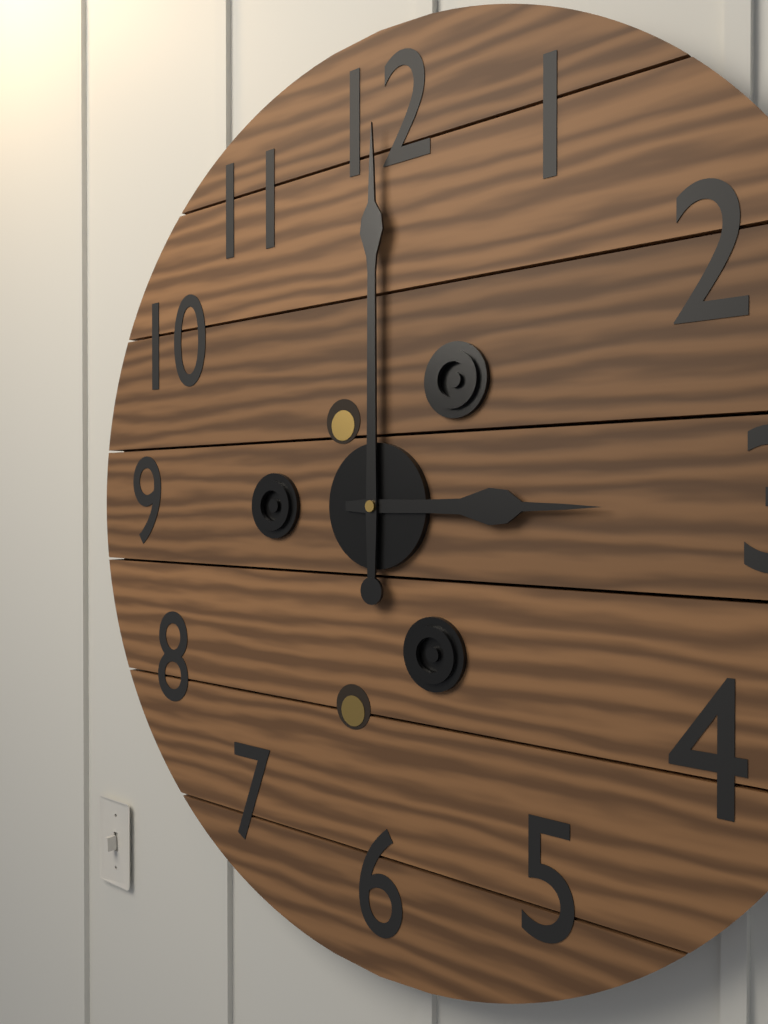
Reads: 3,00
